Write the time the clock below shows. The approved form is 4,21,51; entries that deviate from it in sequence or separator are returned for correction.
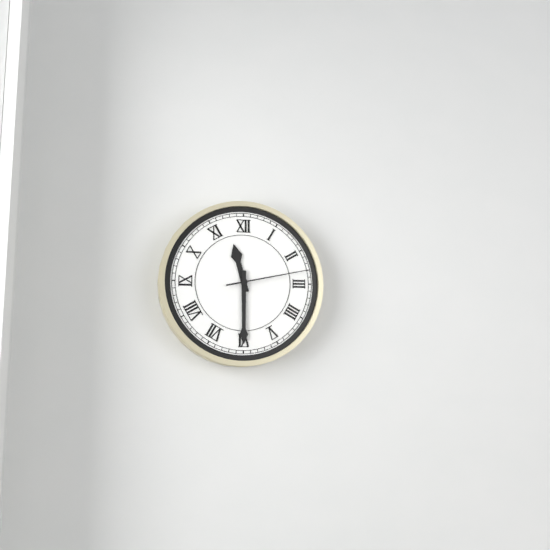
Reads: 11,30,13
